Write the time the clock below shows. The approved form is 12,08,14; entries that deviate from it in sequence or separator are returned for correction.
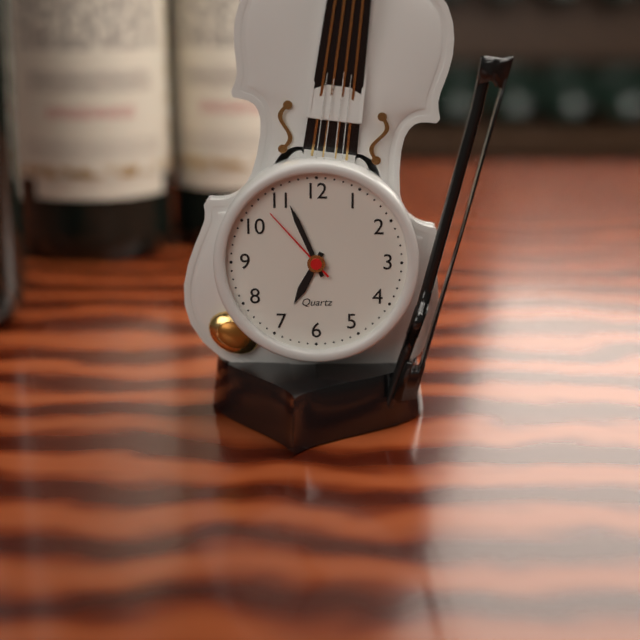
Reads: 6,56,53
